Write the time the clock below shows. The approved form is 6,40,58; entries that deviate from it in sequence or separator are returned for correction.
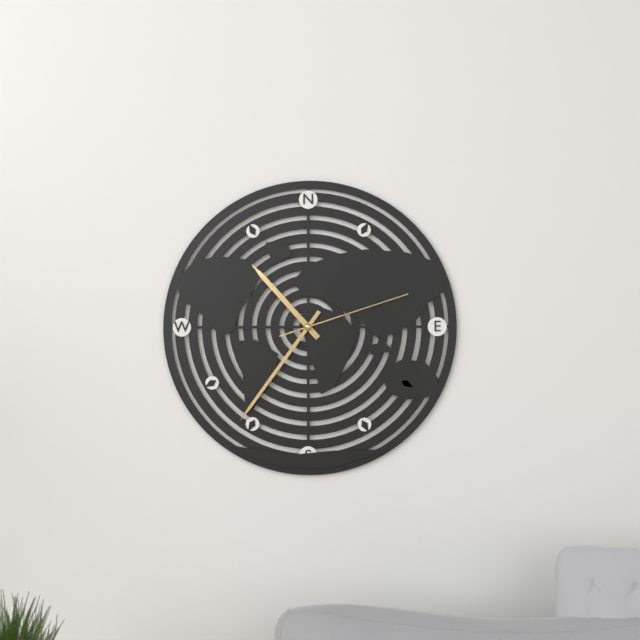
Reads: 10,36,12
